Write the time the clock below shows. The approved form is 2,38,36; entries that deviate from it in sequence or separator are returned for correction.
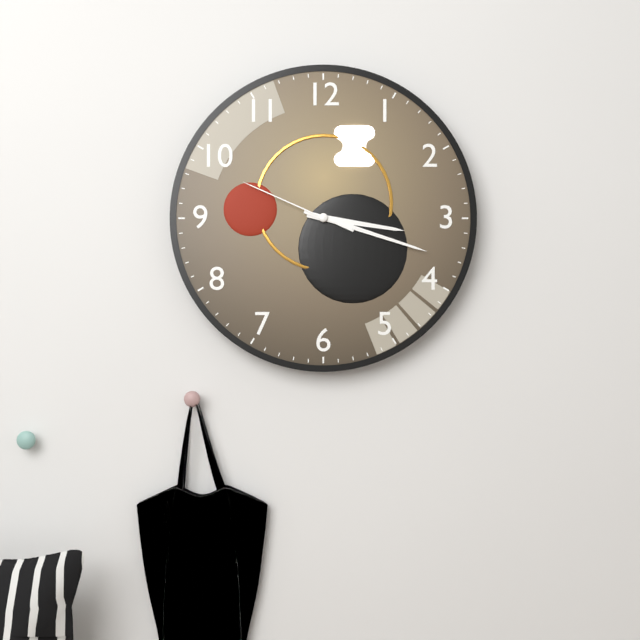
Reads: 3,18,49
